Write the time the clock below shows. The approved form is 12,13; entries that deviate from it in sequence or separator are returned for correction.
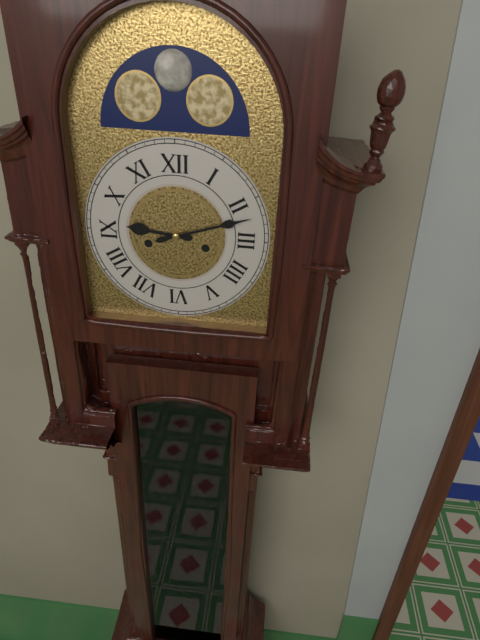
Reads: 9,12
